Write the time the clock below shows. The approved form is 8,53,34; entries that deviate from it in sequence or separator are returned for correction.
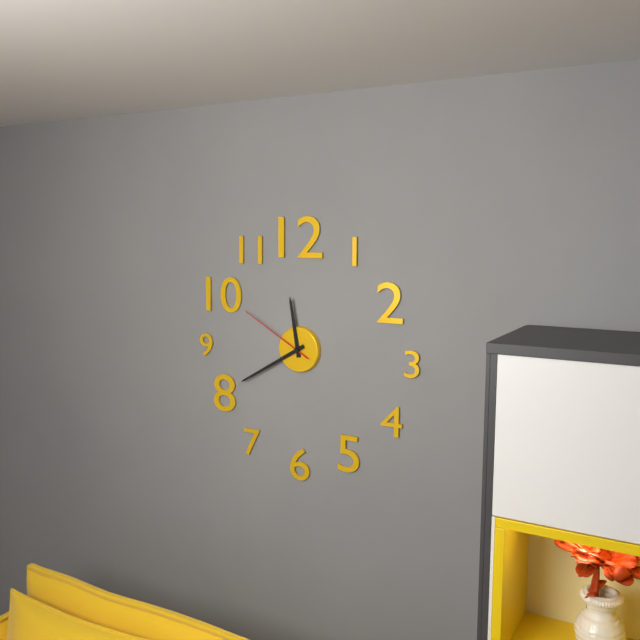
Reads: 11,40,50
